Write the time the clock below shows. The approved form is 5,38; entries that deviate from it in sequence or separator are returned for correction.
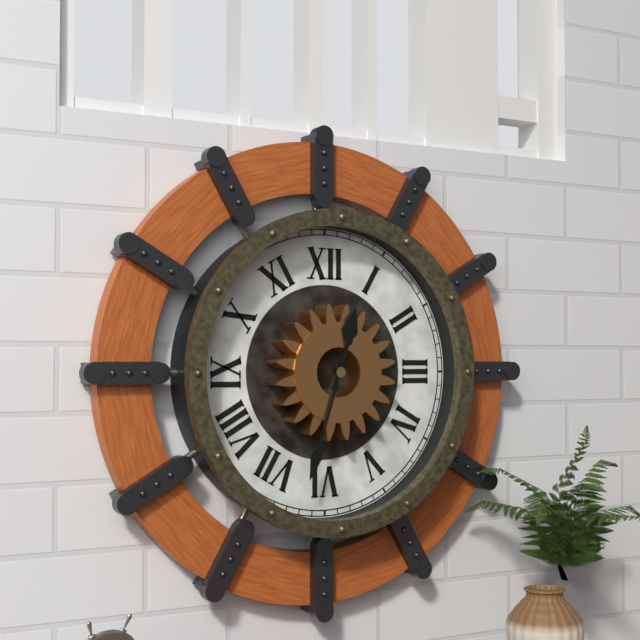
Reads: 12,33
